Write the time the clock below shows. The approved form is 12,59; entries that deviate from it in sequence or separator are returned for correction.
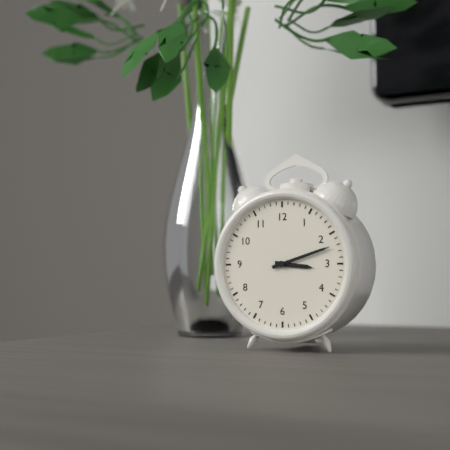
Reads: 3,12
